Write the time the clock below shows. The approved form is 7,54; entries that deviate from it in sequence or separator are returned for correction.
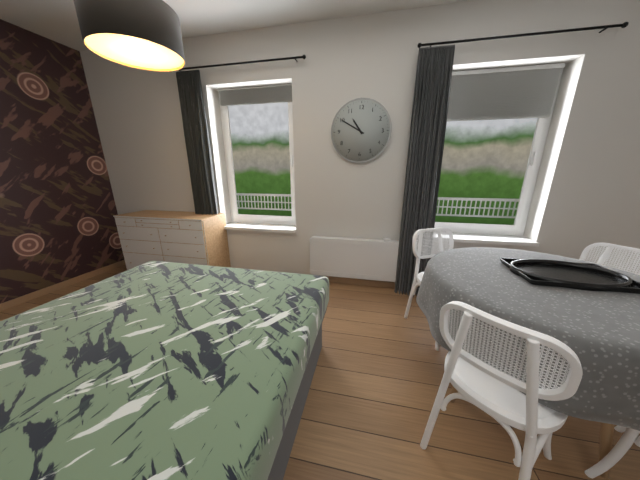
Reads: 10,50
